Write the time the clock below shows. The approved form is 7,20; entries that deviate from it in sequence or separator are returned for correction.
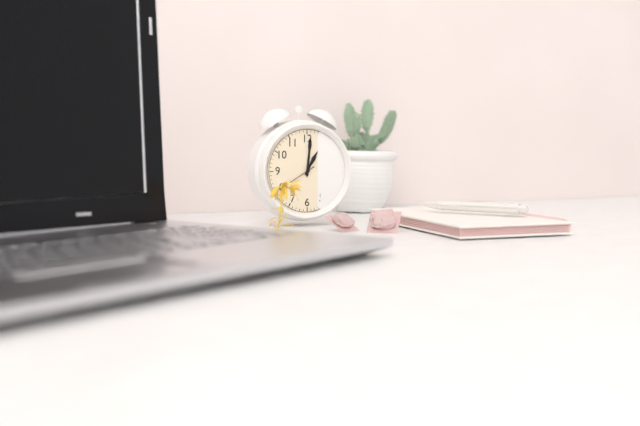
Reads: 1,01
